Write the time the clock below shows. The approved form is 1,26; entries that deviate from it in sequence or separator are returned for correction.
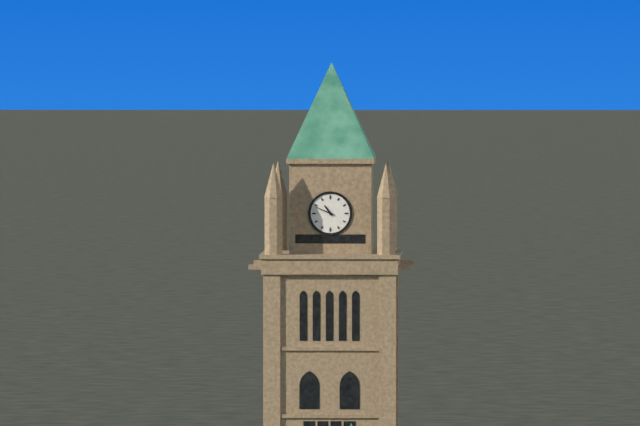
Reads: 10,49
